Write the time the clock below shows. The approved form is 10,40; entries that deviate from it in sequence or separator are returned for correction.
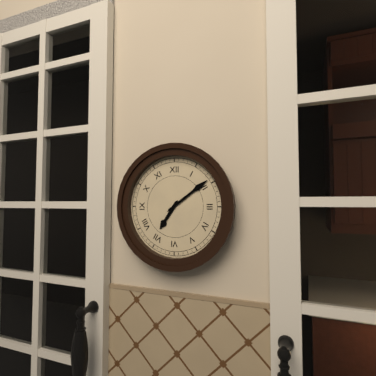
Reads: 7,09
